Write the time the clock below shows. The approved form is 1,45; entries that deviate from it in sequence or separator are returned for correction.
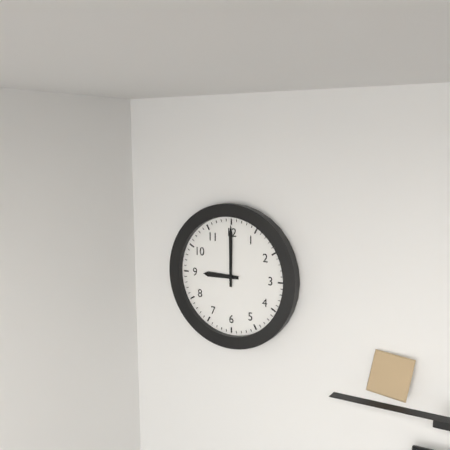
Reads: 9,00
